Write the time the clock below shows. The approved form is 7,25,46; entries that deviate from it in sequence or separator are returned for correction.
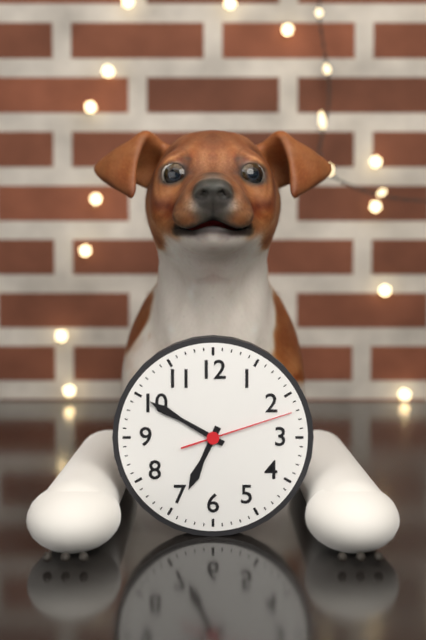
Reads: 6,50,12
